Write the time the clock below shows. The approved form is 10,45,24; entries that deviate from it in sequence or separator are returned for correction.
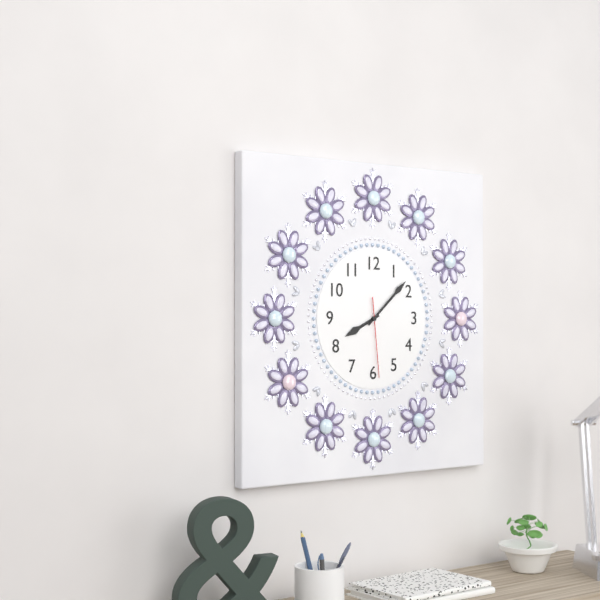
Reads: 8,08,29
